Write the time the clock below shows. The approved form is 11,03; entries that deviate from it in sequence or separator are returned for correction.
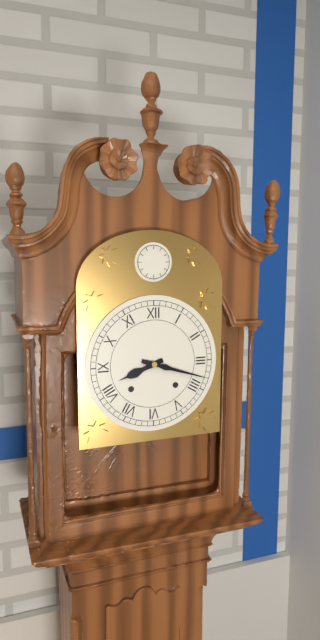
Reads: 8,18
